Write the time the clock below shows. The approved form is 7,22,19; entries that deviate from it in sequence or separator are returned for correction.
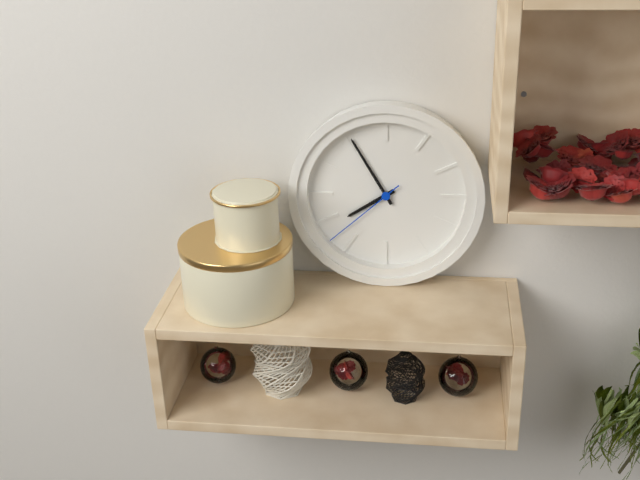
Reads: 7,55,38
